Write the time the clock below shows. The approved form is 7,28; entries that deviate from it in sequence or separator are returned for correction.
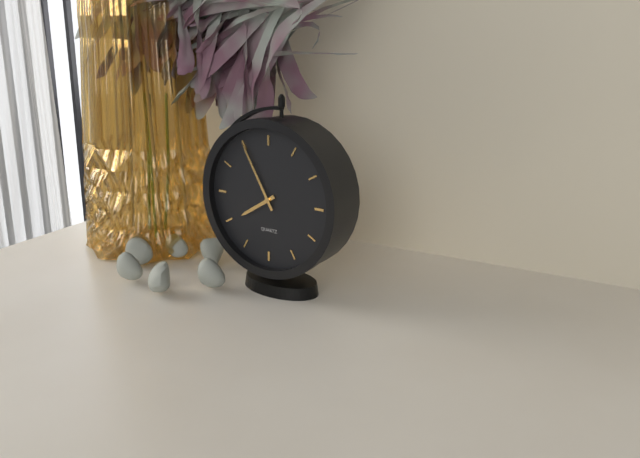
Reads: 7,55
